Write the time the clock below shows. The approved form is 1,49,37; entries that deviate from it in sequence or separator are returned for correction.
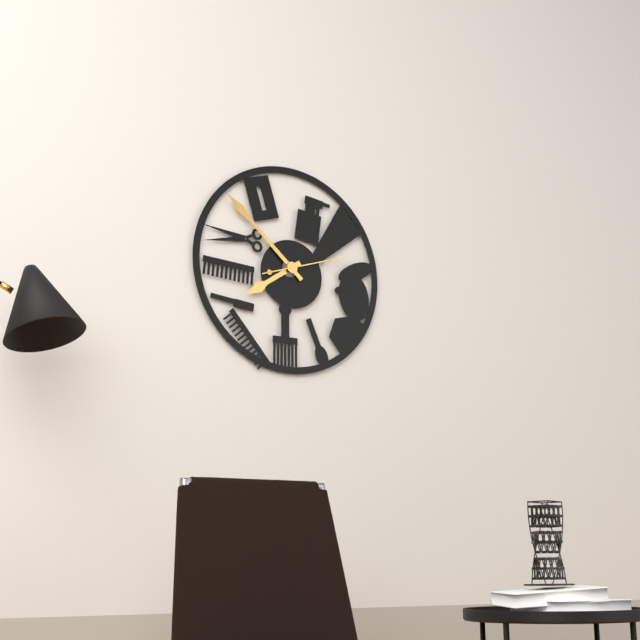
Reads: 7,52,12
